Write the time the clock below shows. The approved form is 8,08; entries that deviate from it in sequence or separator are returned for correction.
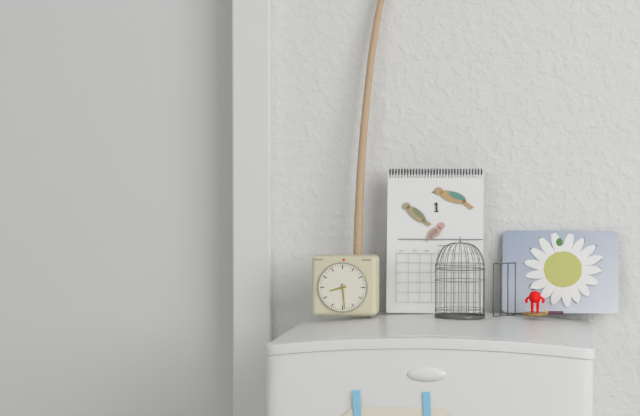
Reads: 8,29
